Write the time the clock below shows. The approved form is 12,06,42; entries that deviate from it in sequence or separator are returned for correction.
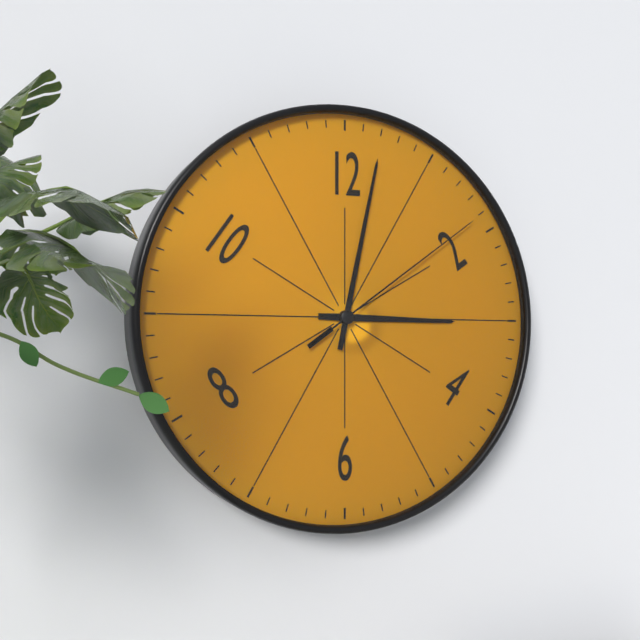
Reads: 3,02,09
